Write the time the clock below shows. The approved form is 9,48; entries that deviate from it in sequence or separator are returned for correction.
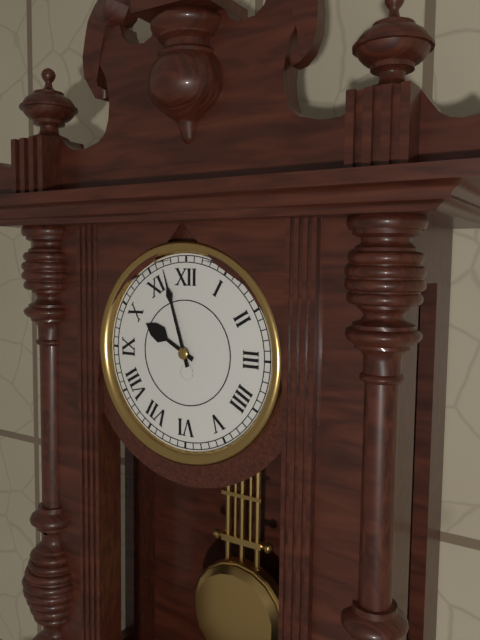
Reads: 9,57
